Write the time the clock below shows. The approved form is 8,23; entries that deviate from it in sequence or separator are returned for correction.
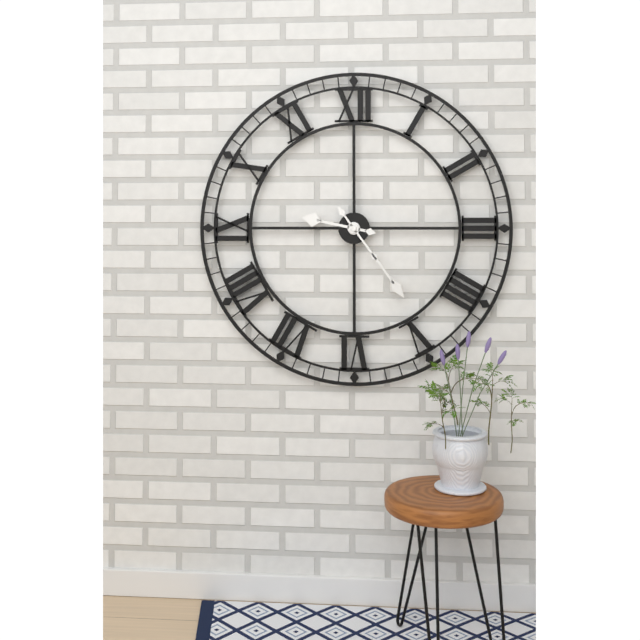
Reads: 9,24
